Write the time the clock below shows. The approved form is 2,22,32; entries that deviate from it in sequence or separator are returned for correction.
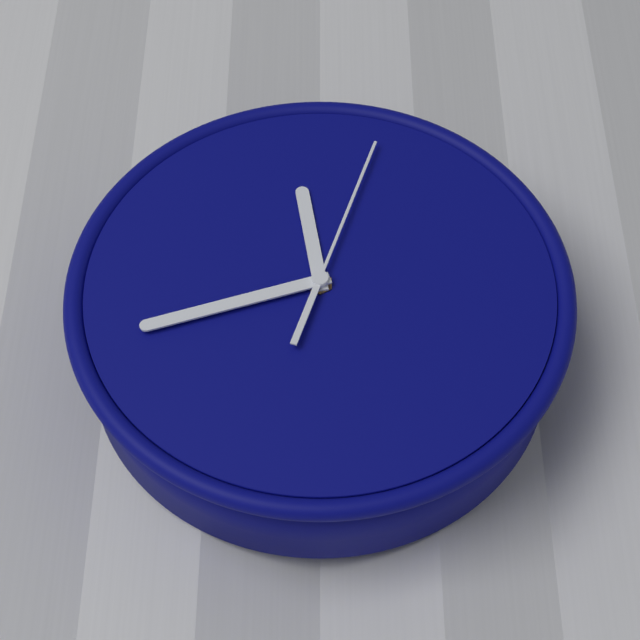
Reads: 11,42,03
